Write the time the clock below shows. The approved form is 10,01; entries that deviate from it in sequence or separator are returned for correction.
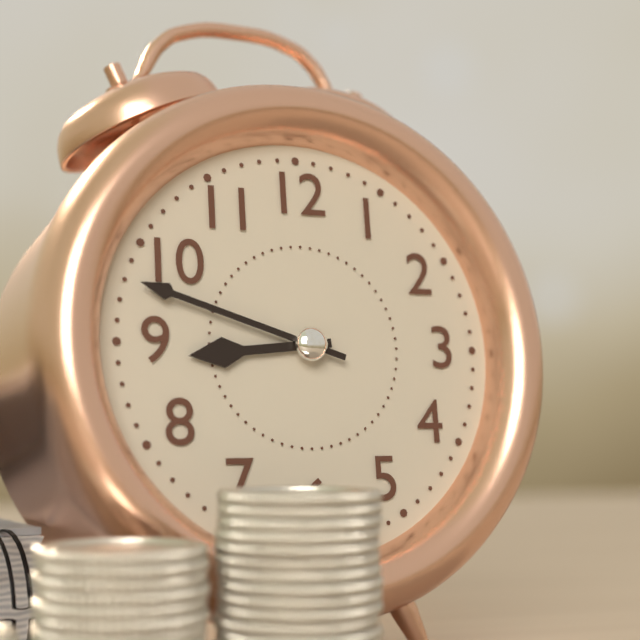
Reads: 8,48
